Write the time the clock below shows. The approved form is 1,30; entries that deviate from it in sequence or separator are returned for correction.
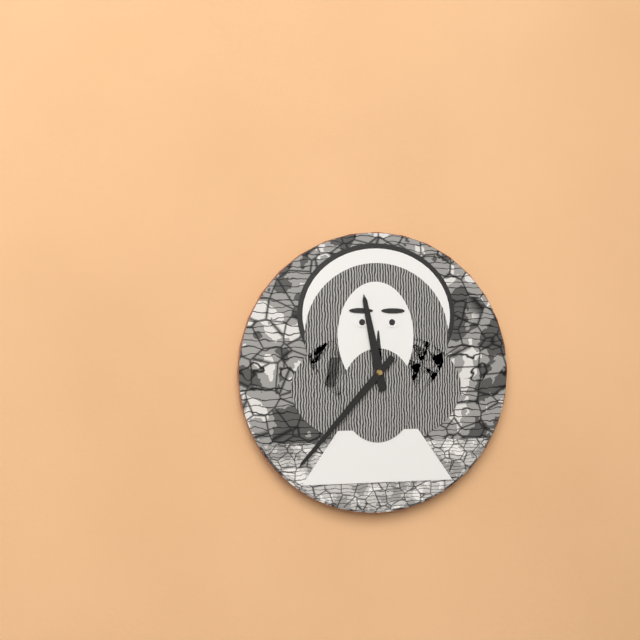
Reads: 11,37
